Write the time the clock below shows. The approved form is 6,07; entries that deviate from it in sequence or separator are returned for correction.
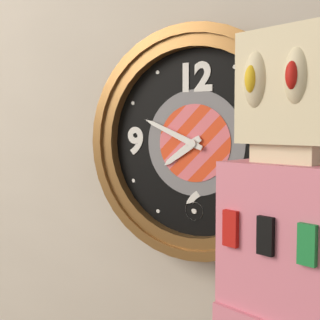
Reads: 7,49
